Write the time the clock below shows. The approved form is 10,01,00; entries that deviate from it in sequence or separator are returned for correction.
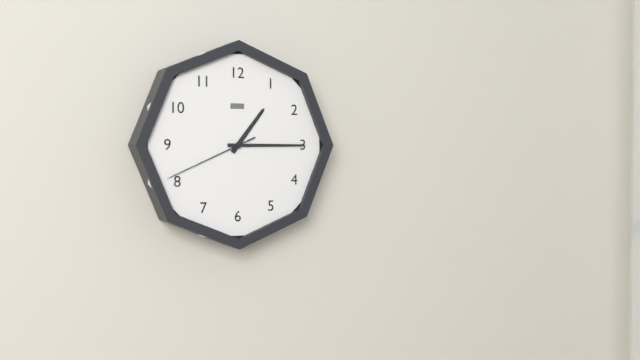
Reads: 1,15,41
